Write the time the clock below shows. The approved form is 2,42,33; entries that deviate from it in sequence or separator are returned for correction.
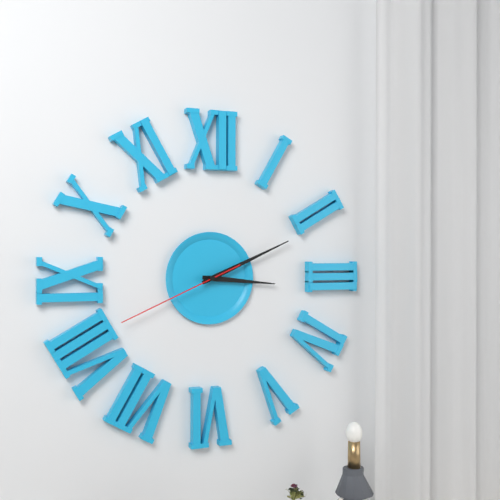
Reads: 3,11,41
